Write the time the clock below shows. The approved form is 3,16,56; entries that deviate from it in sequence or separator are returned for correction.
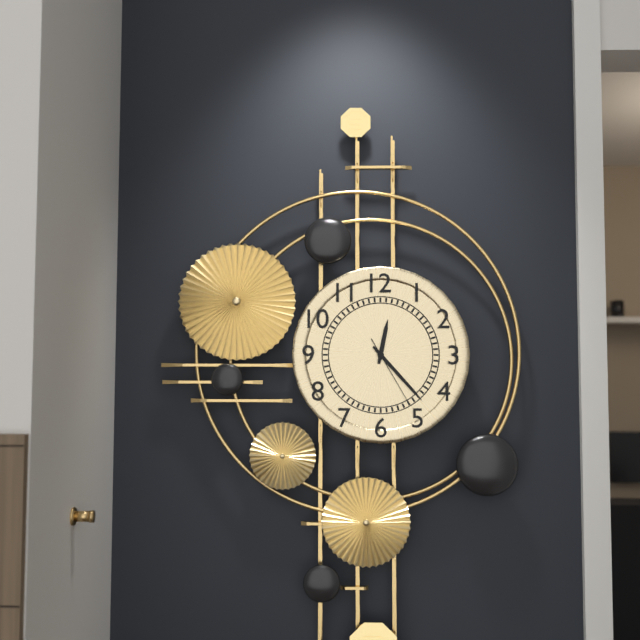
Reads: 12,23,25
